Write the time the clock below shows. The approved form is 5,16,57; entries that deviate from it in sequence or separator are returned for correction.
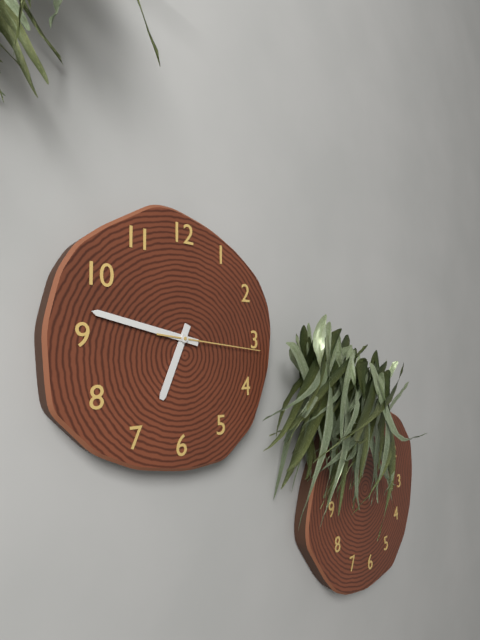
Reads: 6,47,16
